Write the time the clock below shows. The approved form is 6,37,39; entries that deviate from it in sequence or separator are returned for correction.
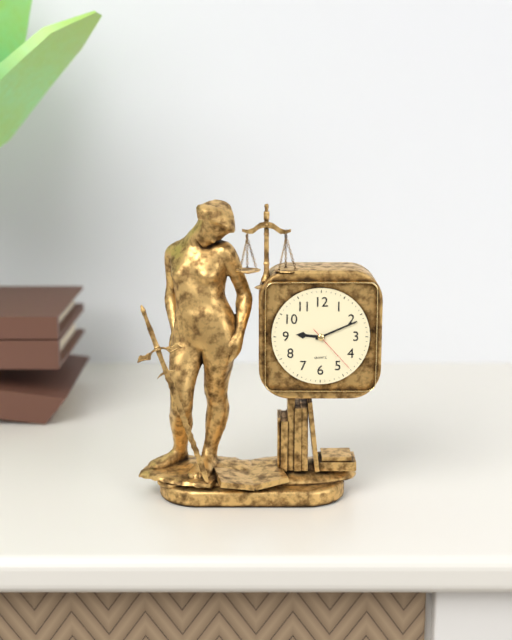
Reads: 9,11,23
